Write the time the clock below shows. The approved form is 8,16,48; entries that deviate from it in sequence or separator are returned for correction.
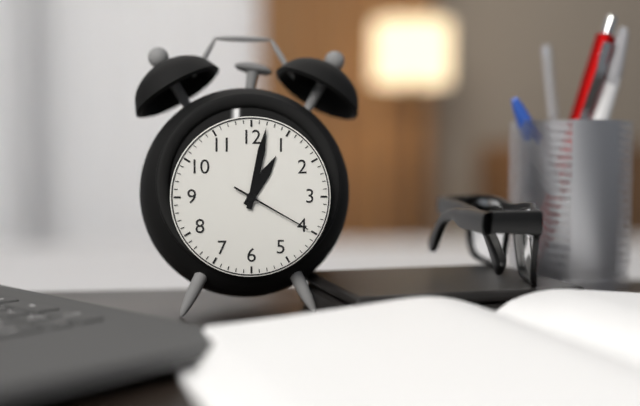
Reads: 1,02,20
